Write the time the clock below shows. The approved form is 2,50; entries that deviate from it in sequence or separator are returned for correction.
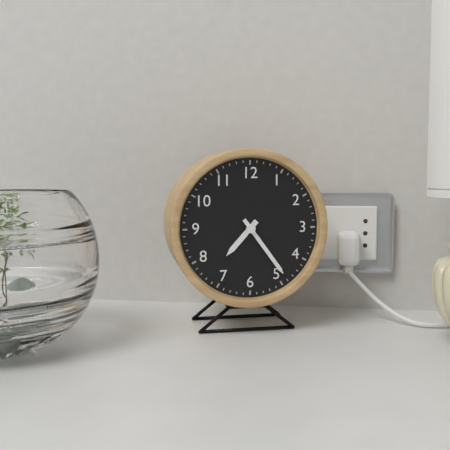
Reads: 7,24
